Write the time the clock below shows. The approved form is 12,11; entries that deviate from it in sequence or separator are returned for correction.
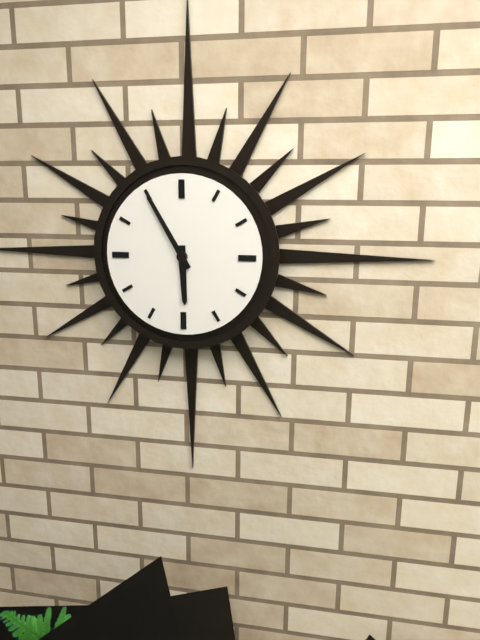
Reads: 5,55
